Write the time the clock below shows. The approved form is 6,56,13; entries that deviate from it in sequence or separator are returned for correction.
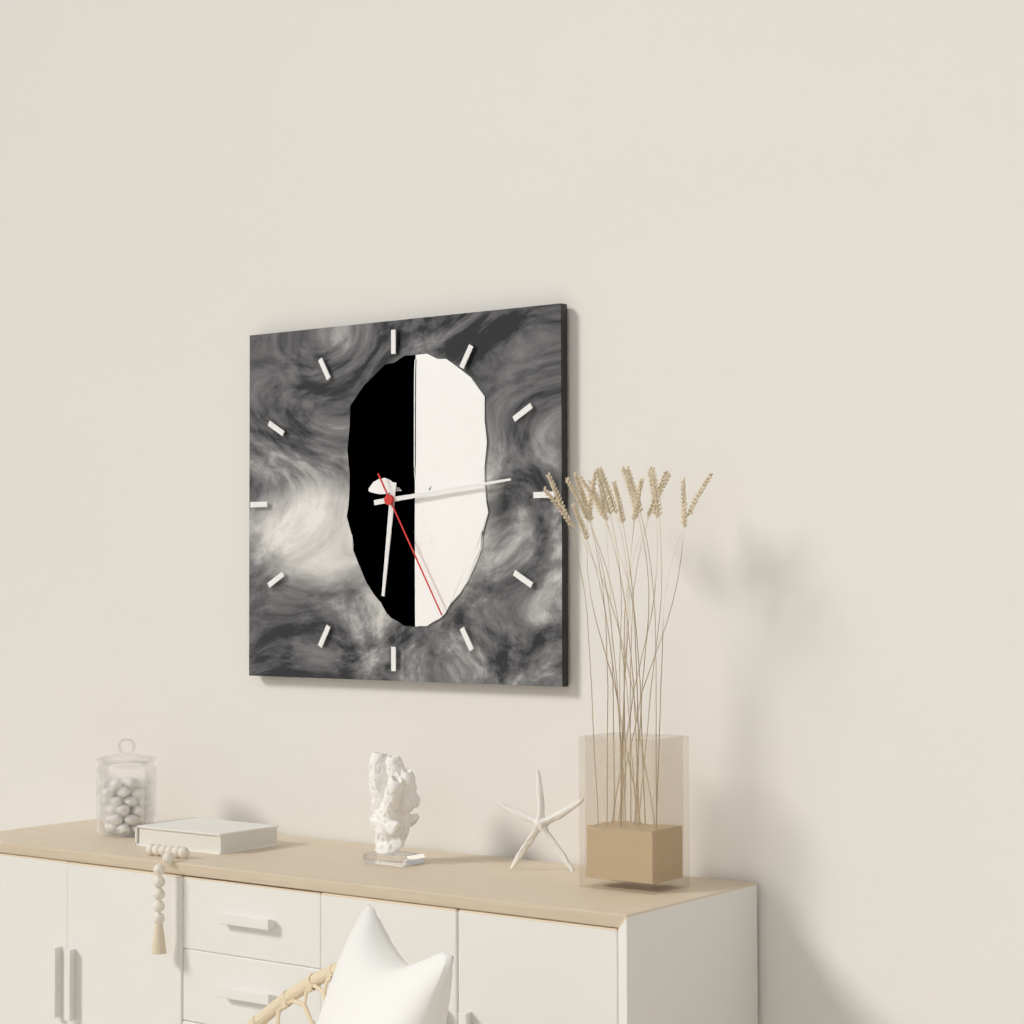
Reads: 6,14,25
